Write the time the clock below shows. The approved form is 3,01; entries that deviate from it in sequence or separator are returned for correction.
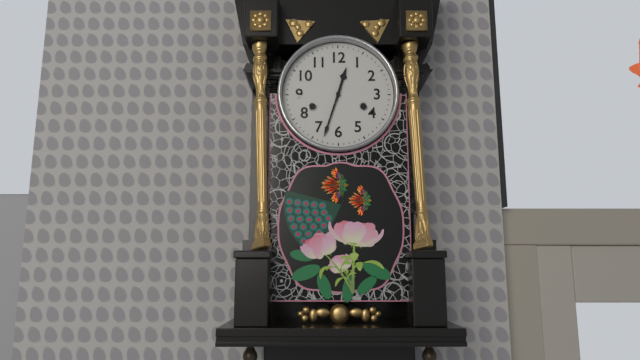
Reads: 12,33
